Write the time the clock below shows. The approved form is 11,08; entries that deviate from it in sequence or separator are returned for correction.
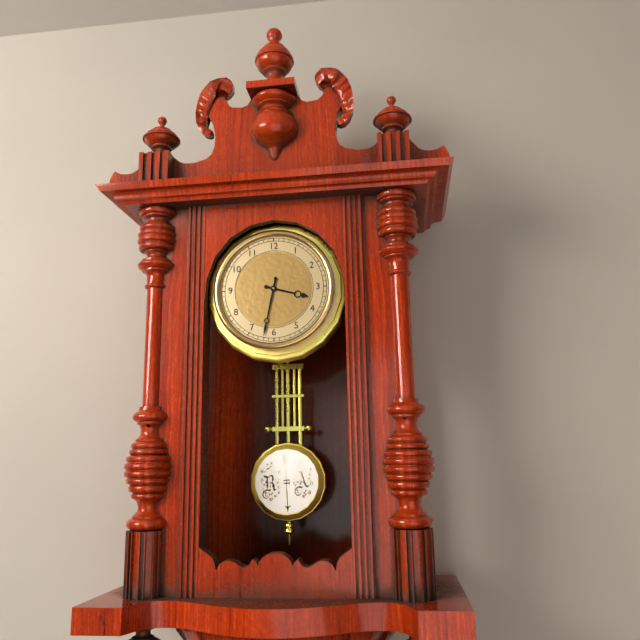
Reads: 3,32
